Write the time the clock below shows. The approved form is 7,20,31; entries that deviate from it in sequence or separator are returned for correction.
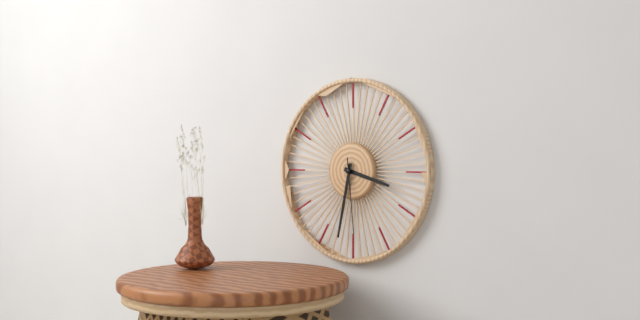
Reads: 3,32,29
